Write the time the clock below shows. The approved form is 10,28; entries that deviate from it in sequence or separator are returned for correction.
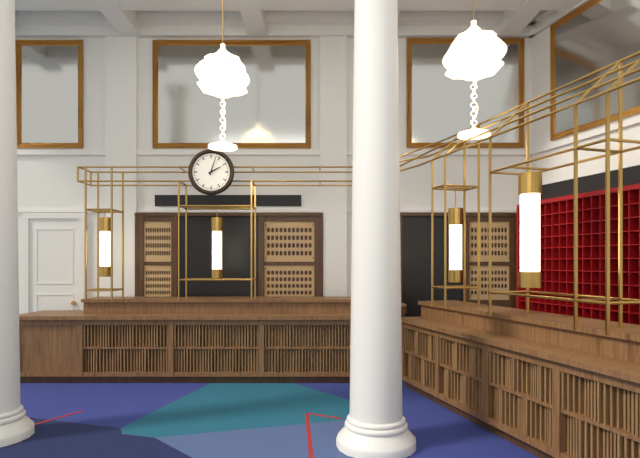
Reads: 2,03
